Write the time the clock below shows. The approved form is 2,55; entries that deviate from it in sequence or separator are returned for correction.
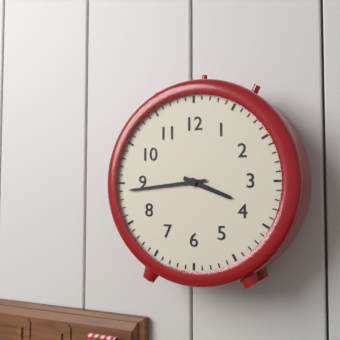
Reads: 3,44
